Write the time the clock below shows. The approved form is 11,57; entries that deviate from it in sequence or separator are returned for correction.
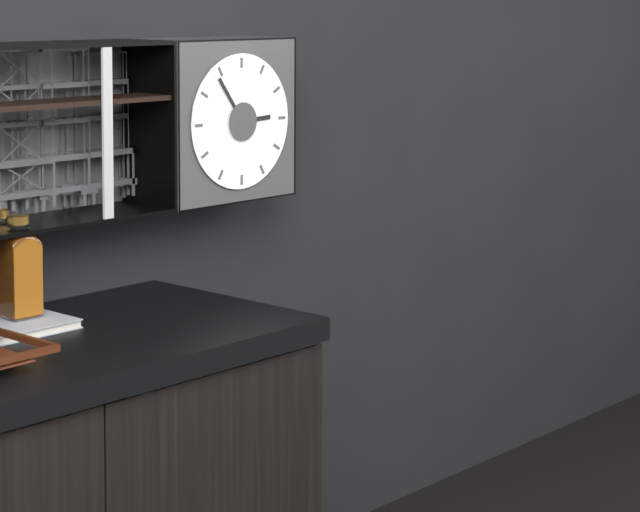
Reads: 2,54
